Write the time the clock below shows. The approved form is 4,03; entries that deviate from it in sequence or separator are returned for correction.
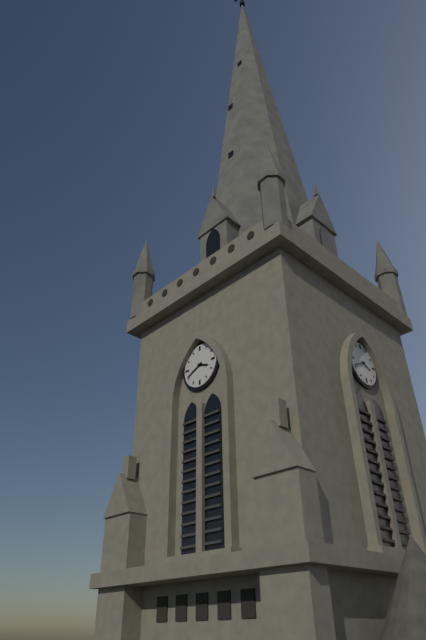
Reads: 3,41
